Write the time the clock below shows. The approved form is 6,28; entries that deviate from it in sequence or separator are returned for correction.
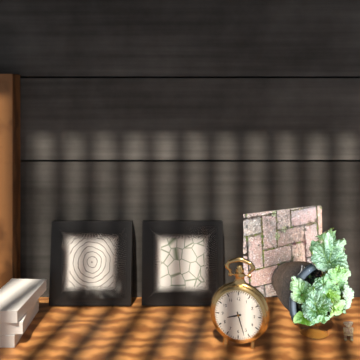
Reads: 8,27
